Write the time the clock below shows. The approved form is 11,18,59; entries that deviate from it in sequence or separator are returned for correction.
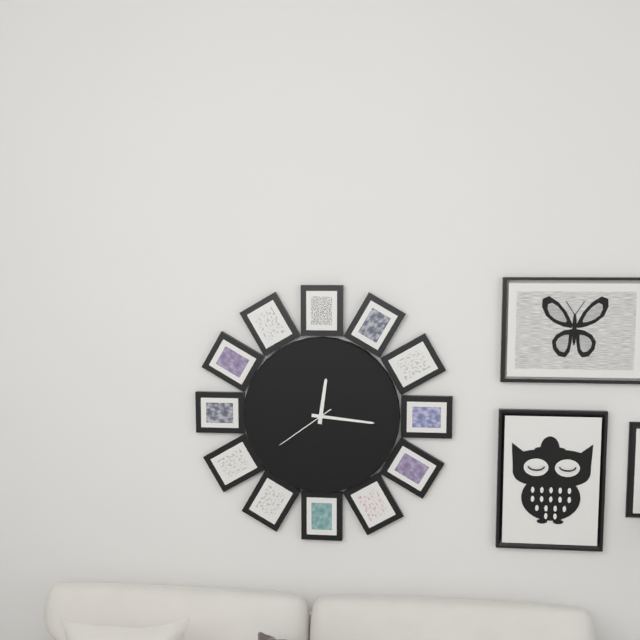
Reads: 12,16,39
